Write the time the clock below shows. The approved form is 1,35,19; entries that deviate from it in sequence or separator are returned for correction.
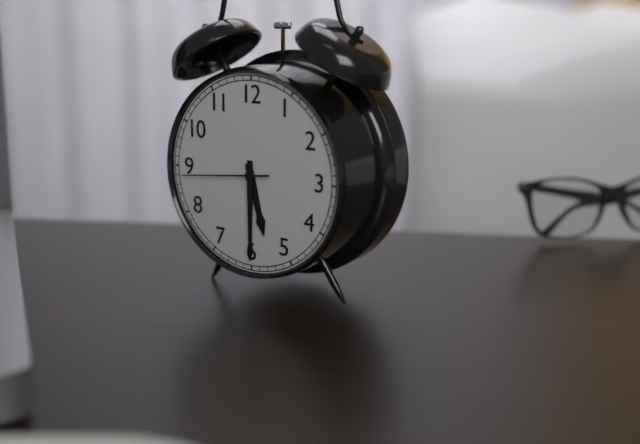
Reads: 5,30,44
